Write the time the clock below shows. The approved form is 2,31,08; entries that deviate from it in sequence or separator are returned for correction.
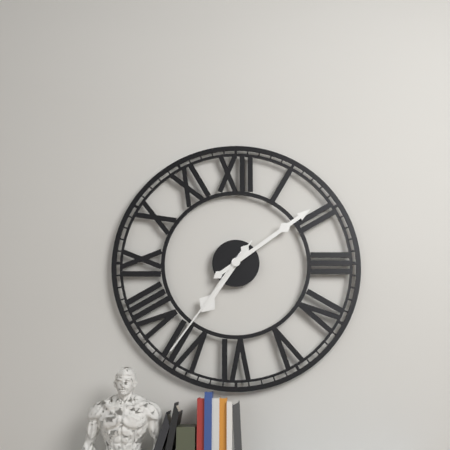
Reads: 7,09,36
